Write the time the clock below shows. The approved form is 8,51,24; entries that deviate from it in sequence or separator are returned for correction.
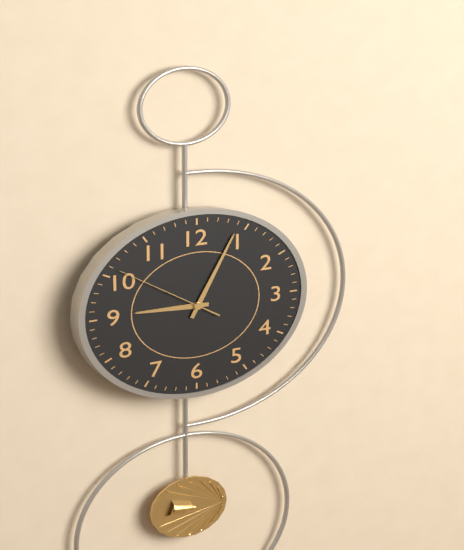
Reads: 9,04,51
